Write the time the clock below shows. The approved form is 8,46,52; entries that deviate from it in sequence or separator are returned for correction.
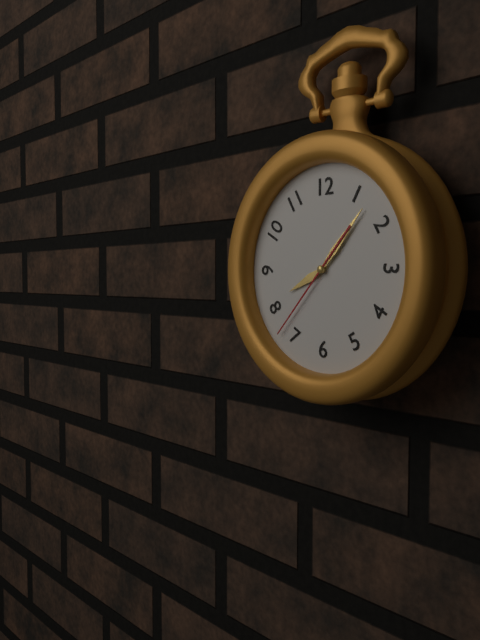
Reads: 8,07,37
